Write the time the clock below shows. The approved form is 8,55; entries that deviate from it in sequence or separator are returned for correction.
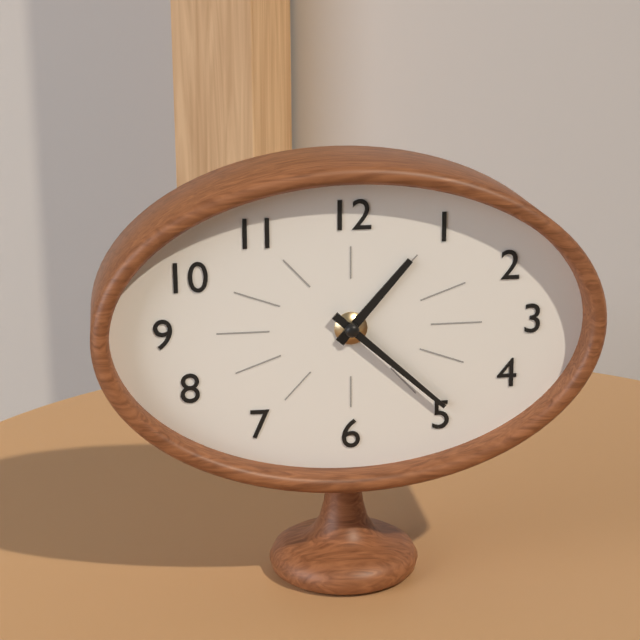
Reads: 1,22
